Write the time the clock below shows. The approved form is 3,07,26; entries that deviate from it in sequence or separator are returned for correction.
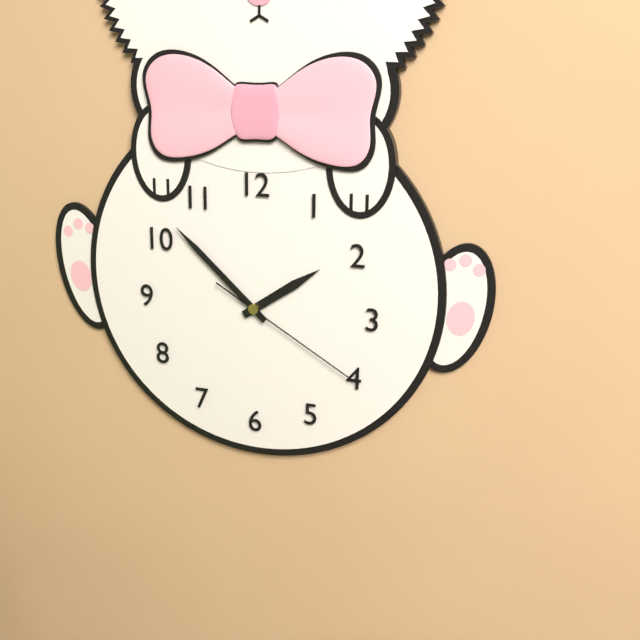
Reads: 1,52,20
